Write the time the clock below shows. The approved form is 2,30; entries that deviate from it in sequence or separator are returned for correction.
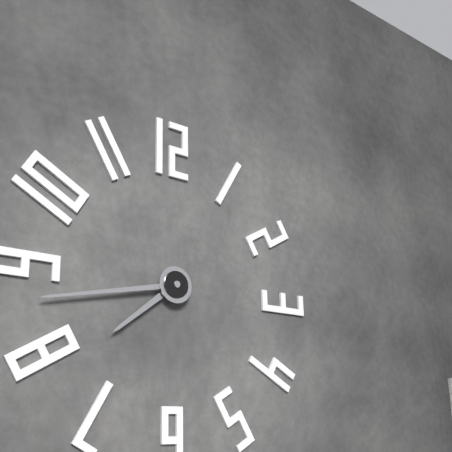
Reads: 7,43
